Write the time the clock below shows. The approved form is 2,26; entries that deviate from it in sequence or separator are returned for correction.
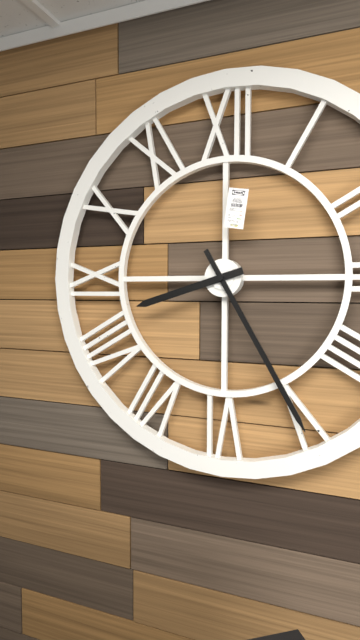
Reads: 8,25
